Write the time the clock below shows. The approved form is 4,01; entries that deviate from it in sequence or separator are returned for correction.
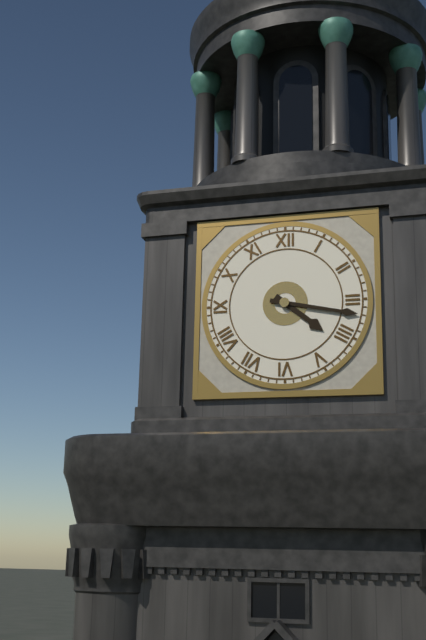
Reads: 4,17
